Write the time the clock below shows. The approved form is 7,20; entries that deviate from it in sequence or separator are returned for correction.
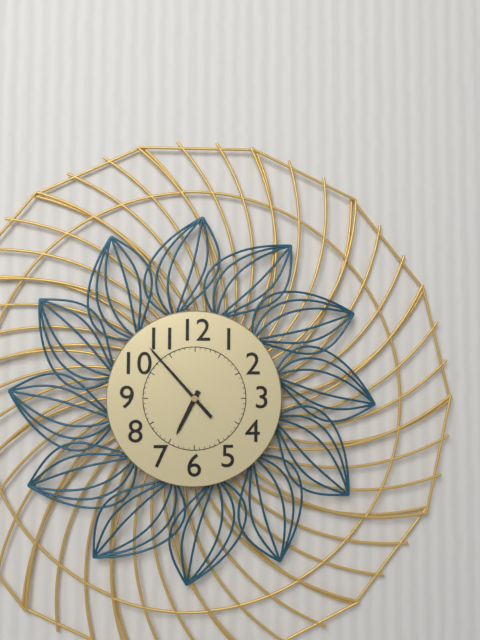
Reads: 6,53
